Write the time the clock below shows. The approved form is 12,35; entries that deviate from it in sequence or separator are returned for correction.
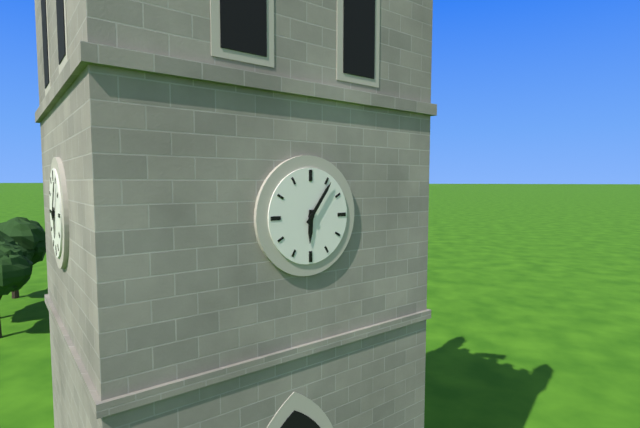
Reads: 6,06
